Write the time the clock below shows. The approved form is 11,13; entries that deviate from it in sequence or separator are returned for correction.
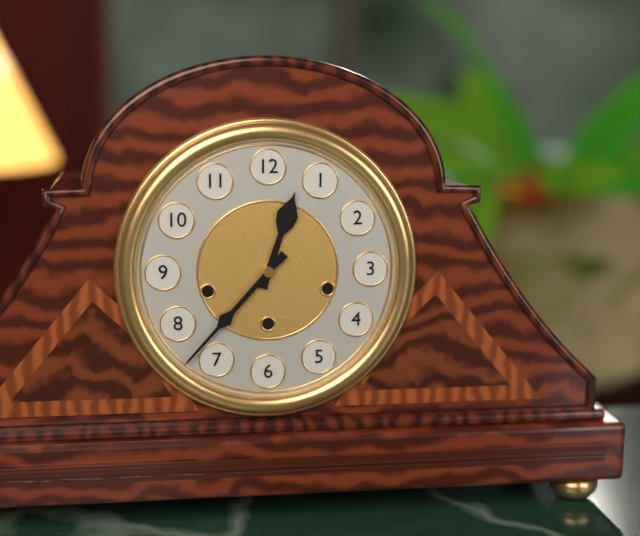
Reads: 12,37
